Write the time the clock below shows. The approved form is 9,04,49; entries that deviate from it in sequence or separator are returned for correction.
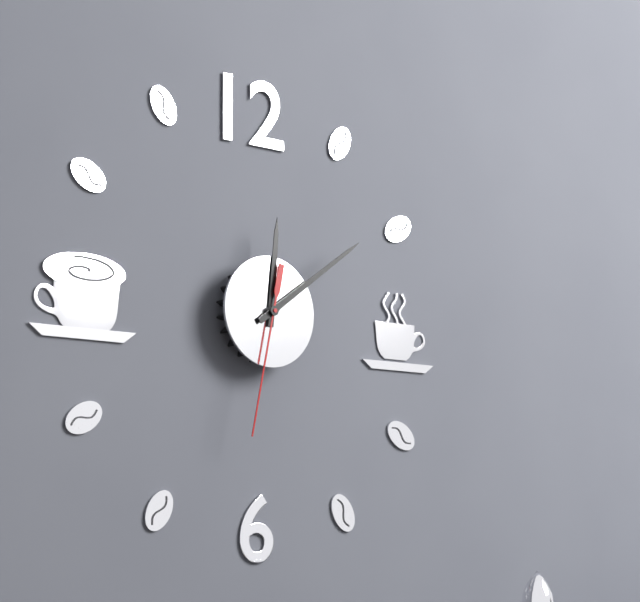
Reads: 12,09,32
